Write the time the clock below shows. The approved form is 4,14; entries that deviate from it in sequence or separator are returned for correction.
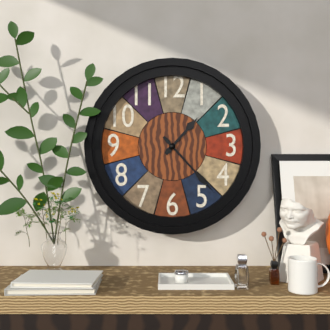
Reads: 1,23
